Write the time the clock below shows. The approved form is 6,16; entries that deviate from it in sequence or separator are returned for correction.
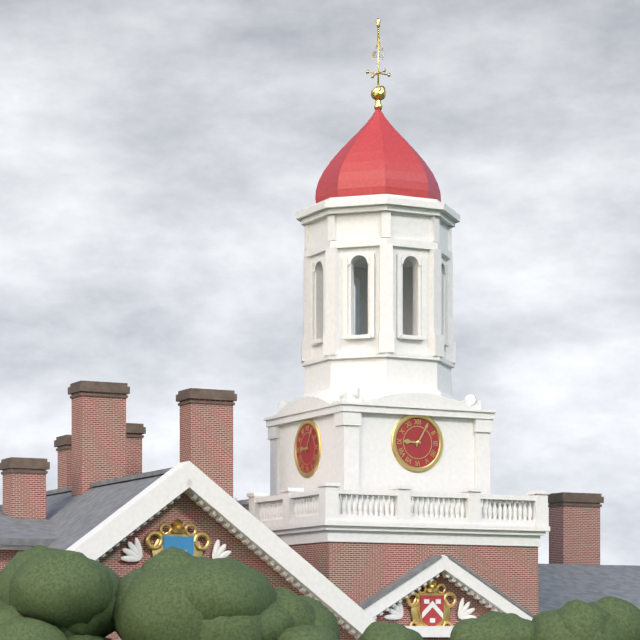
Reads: 9,05
